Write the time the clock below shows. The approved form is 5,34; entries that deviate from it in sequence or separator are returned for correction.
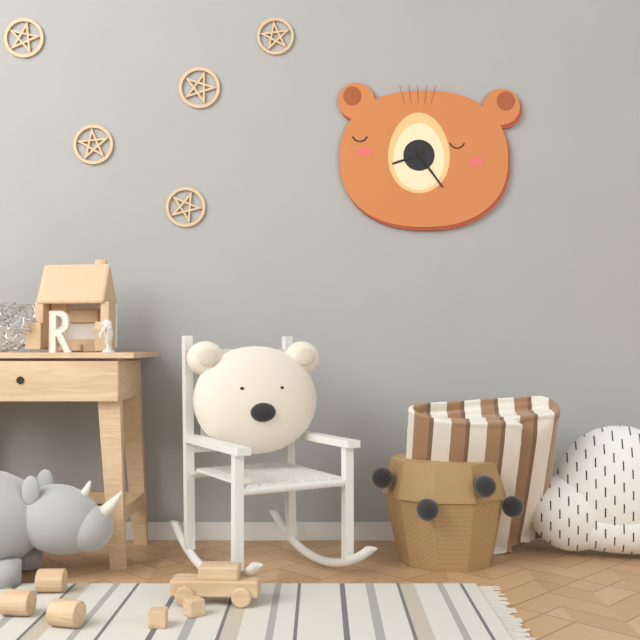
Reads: 8,24
